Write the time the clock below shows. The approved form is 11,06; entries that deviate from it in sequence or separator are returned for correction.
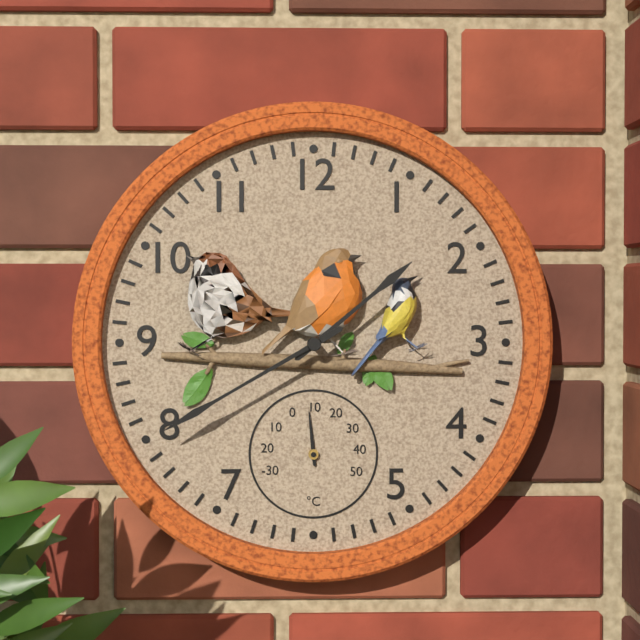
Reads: 1,40
